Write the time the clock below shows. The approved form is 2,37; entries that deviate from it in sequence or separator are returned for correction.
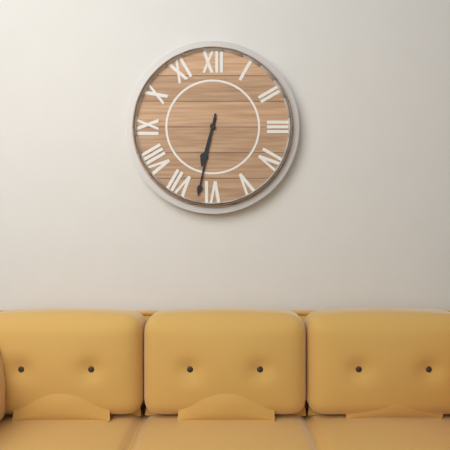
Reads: 6,32
